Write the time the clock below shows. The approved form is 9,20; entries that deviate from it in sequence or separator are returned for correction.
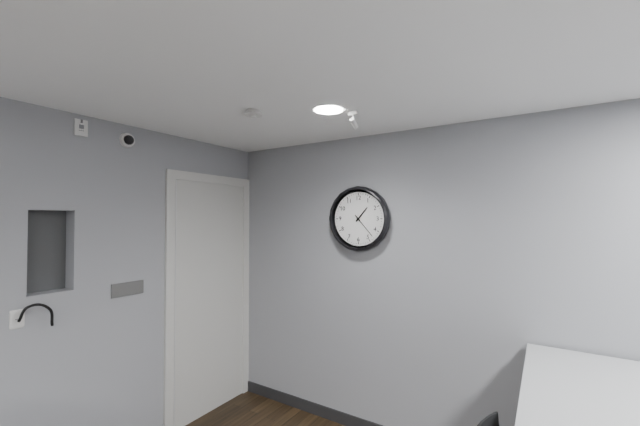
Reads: 1,23
